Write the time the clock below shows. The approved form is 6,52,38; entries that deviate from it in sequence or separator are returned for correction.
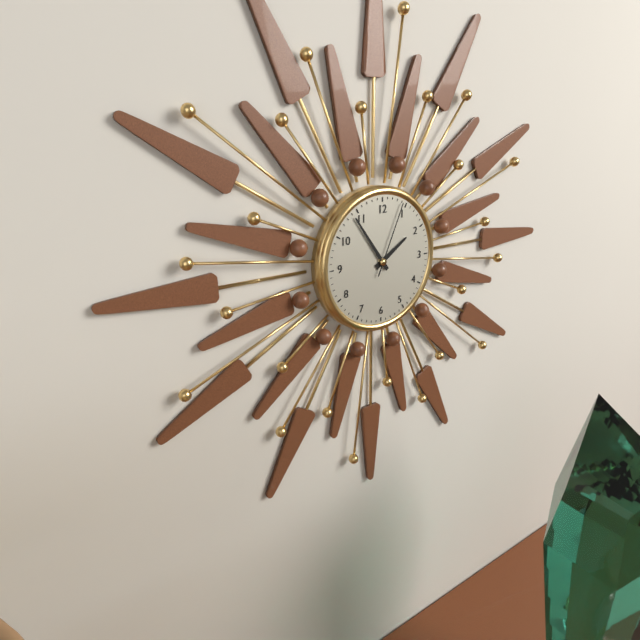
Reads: 1,54,04
